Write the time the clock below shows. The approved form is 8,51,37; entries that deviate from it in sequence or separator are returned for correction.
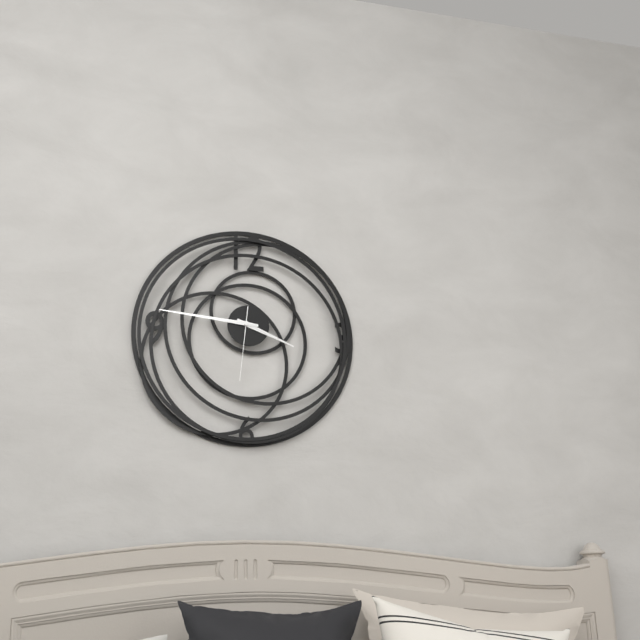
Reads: 3,46,31
